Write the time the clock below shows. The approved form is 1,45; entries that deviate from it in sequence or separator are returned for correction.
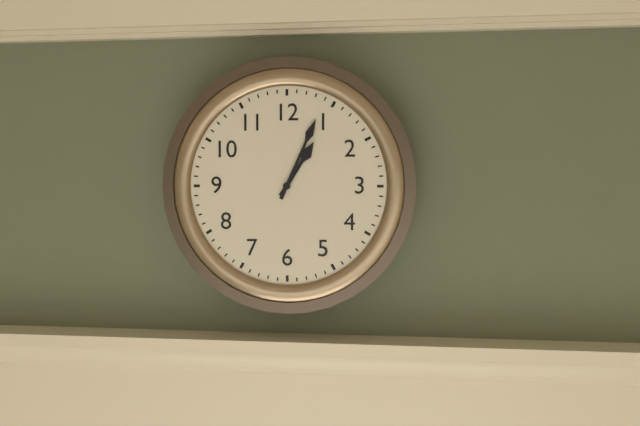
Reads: 1,04
